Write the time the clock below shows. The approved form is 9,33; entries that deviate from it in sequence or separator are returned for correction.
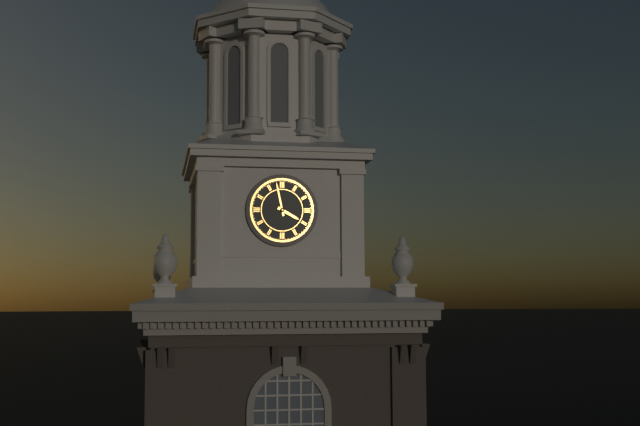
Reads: 3,58
